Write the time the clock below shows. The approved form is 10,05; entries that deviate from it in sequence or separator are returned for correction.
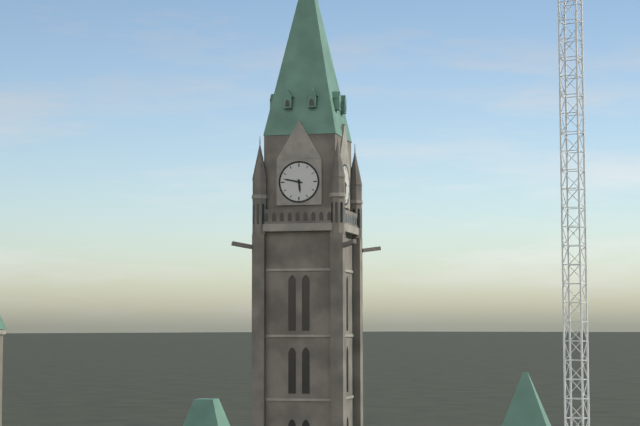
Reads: 5,47
